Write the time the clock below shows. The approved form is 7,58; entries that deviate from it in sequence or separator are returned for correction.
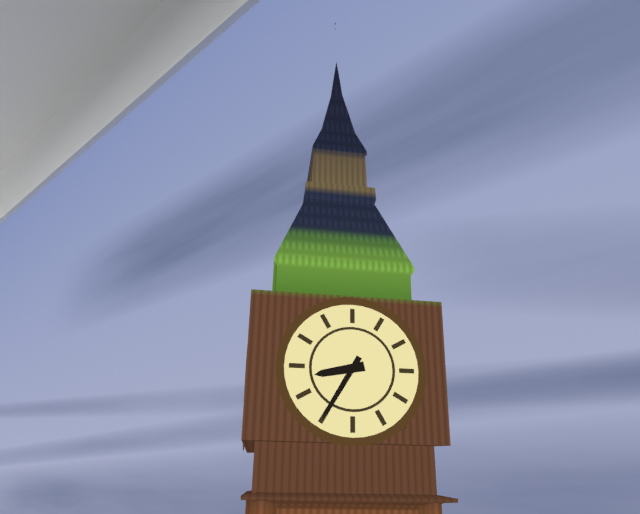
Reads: 8,35
